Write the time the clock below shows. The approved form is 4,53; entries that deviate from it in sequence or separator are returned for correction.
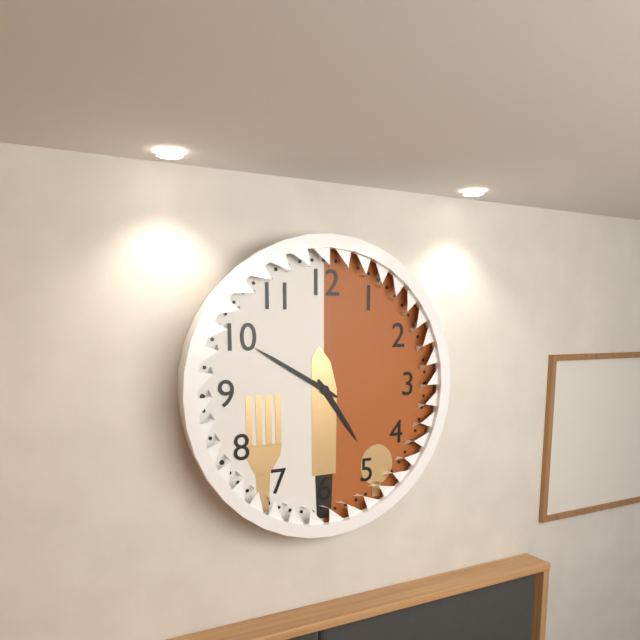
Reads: 4,50
